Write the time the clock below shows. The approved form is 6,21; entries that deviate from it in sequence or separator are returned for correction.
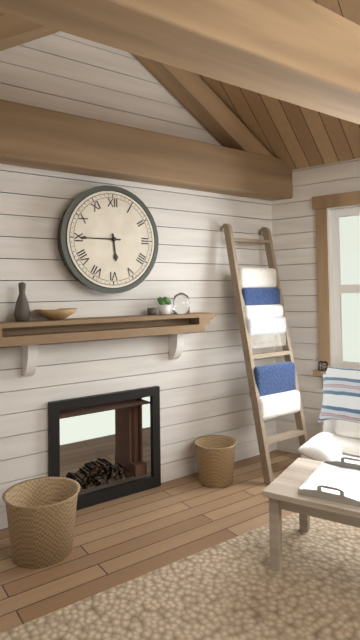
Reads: 5,45
